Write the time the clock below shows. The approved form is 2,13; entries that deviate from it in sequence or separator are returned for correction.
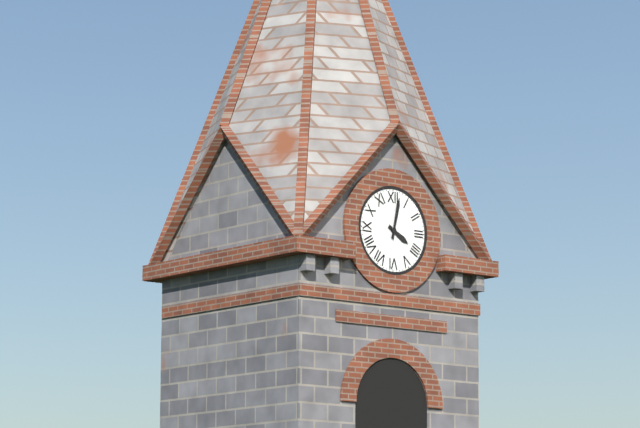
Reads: 4,02
